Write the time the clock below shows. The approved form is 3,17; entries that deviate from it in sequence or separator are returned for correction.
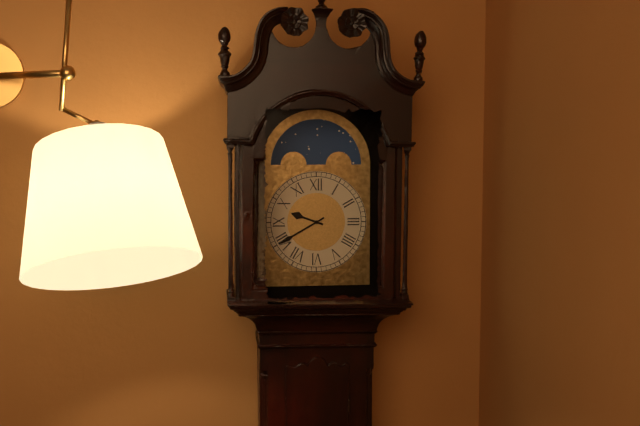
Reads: 9,40
